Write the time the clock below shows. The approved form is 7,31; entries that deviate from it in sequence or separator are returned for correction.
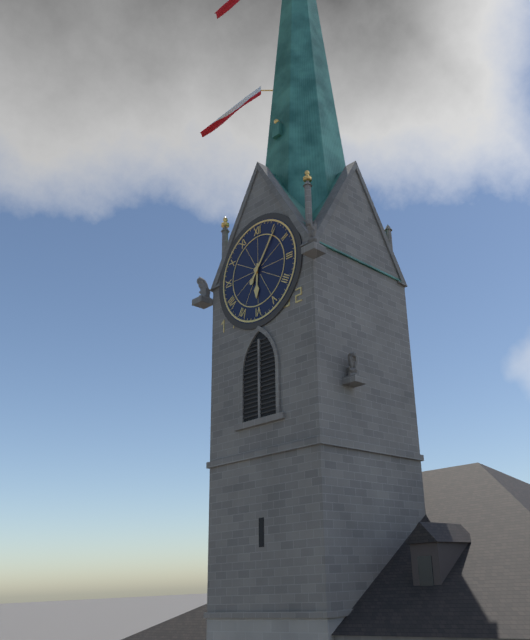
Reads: 6,06
